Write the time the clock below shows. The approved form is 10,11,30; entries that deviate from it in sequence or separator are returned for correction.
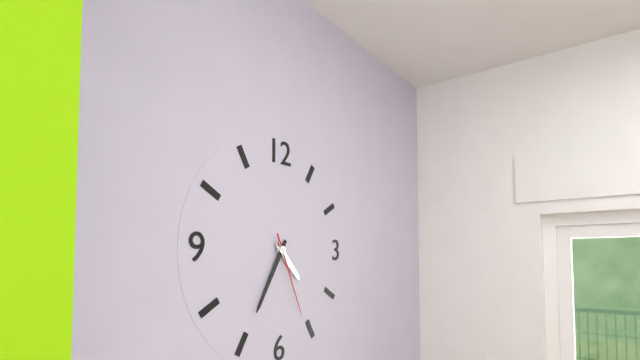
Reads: 4,35,26
